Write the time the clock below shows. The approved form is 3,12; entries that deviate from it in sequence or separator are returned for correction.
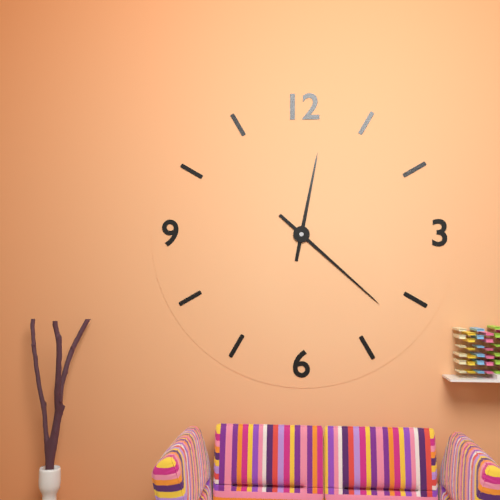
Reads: 12,22
